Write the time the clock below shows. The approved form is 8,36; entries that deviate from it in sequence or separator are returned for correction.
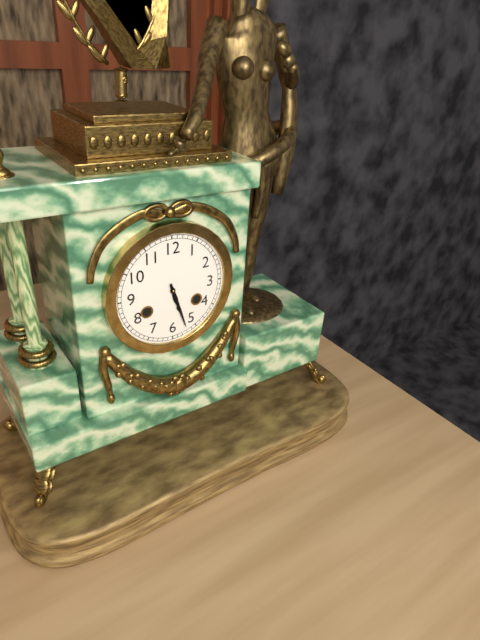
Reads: 5,27
